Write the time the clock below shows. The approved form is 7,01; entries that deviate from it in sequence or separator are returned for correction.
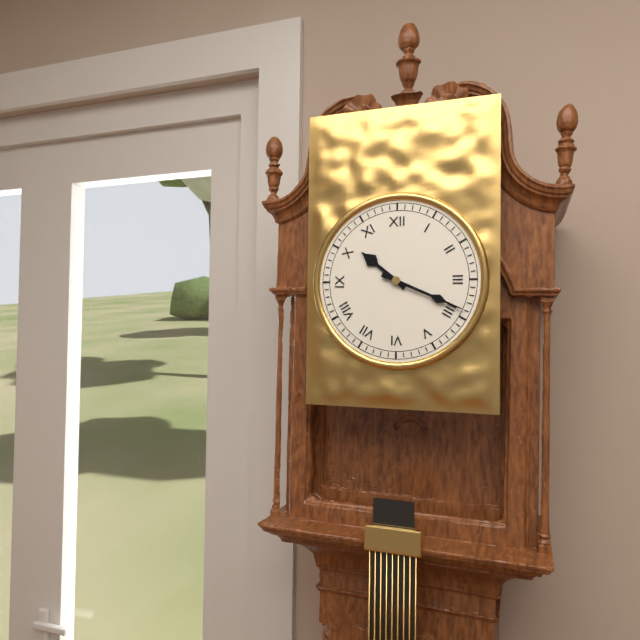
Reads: 10,19
